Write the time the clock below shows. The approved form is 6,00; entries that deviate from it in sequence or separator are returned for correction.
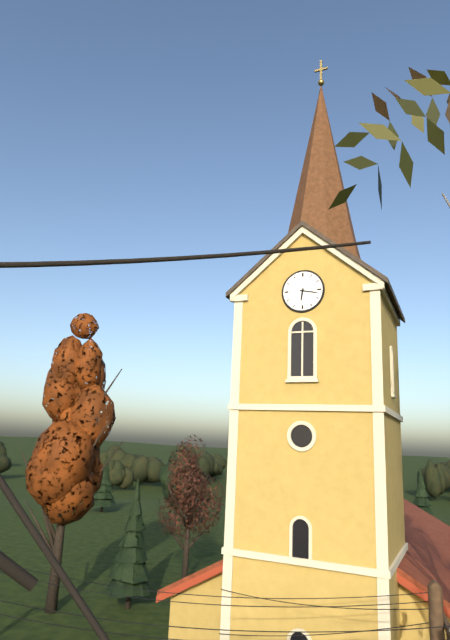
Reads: 6,17
